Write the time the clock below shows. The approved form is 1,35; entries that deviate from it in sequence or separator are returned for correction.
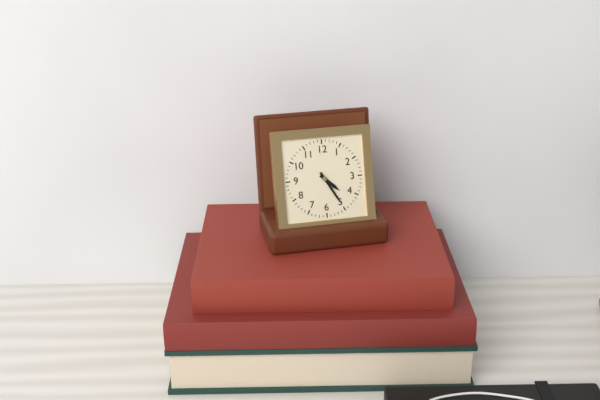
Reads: 4,25
